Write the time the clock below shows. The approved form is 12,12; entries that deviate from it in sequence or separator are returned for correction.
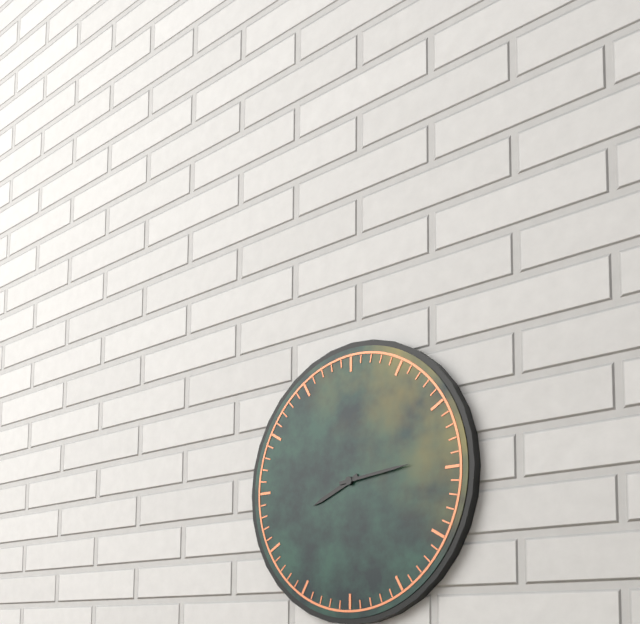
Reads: 8,14
